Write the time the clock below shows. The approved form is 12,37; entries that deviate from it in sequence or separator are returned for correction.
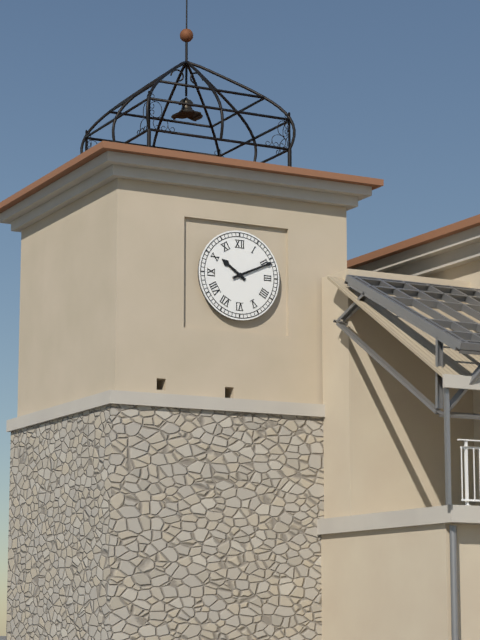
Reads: 10,11
